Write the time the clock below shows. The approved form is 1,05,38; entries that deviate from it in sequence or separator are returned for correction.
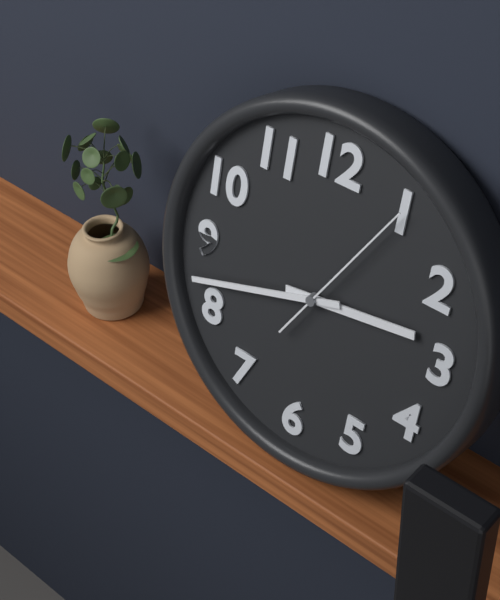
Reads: 2,42,05
